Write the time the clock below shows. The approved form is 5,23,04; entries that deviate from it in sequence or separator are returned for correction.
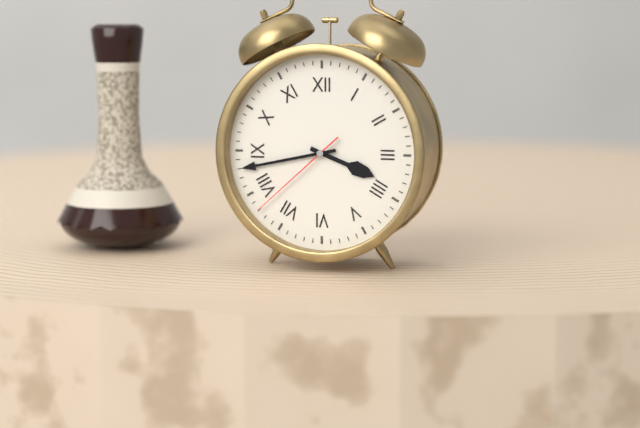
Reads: 3,43,38
